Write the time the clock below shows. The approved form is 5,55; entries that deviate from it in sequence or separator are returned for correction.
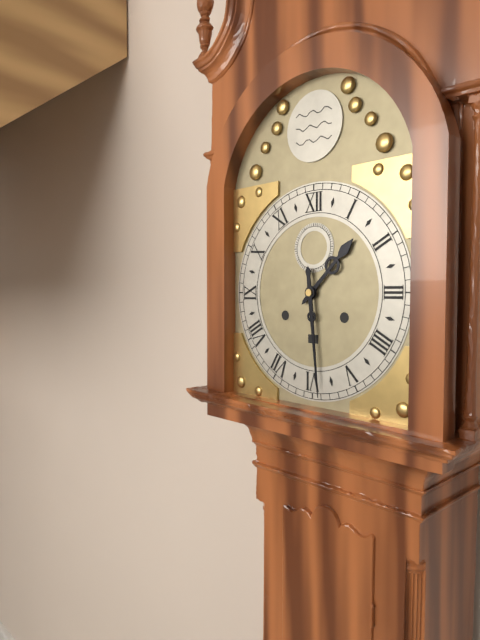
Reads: 1,29
